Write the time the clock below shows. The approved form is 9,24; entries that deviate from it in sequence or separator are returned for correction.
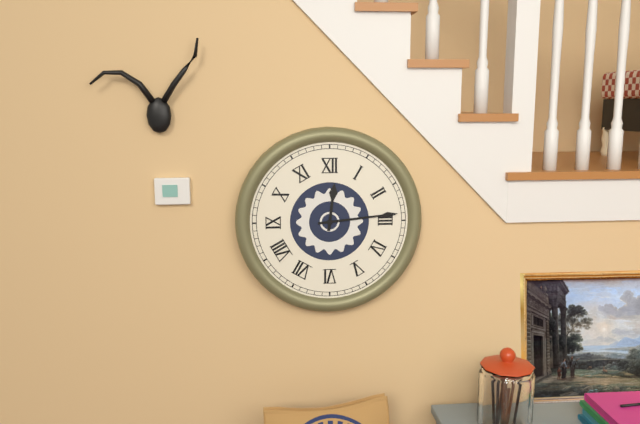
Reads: 12,14
